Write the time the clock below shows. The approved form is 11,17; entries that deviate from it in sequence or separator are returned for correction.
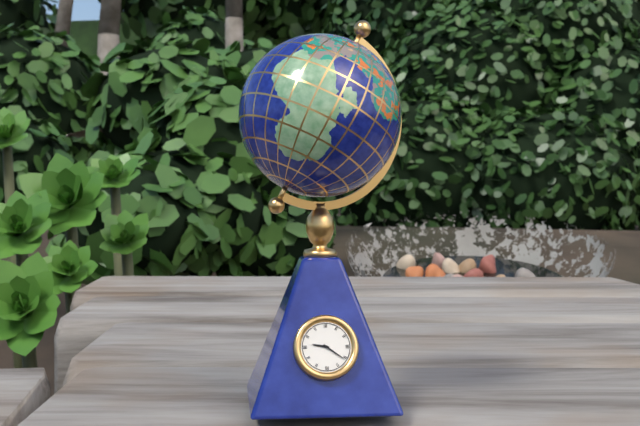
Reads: 9,21
